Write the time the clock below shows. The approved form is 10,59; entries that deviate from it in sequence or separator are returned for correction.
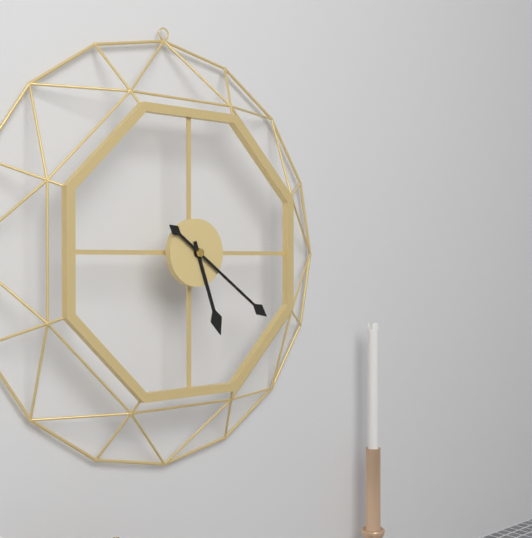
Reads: 5,21
